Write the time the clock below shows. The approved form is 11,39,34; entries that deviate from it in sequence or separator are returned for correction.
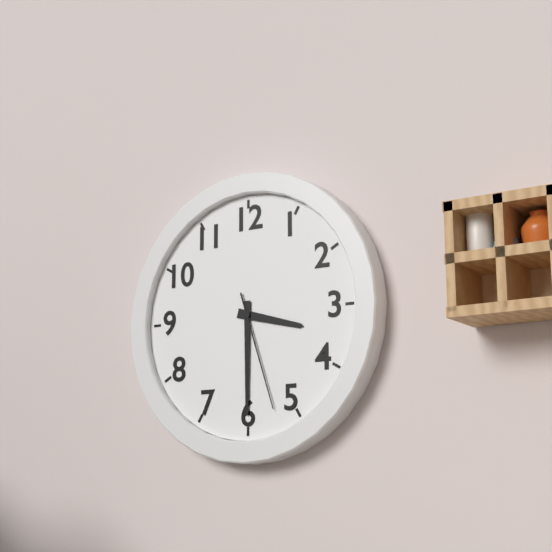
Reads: 3,30,27
